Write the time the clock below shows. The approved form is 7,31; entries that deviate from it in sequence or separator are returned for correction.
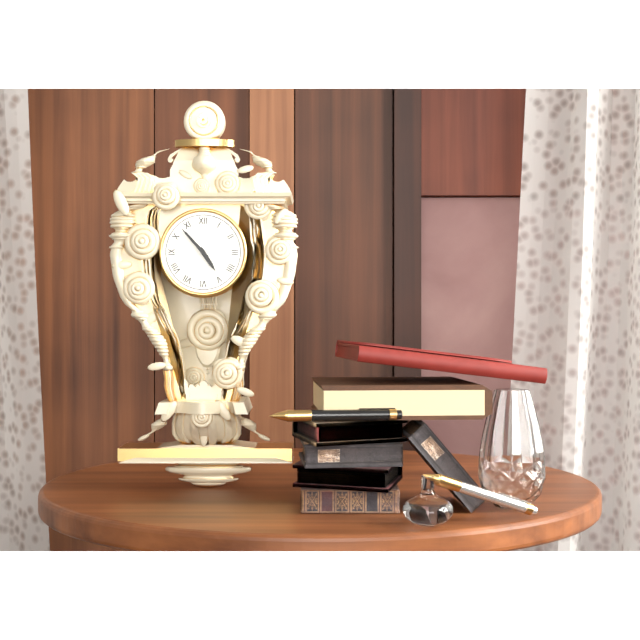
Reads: 4,53
